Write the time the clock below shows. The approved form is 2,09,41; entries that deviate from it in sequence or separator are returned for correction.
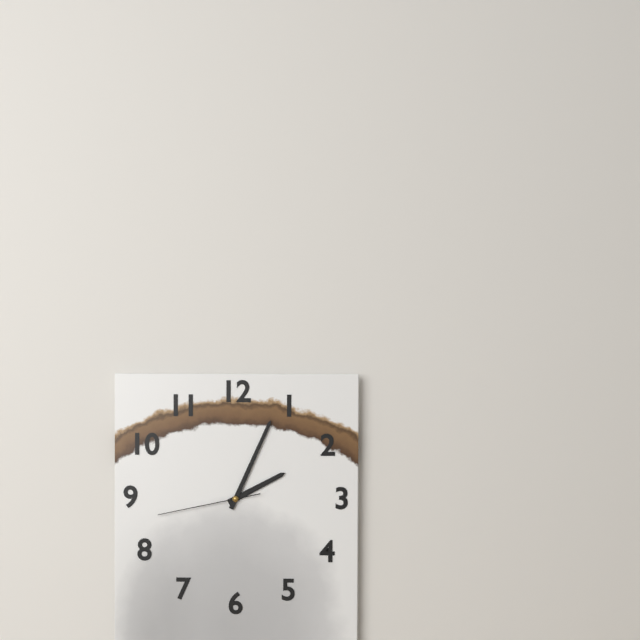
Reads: 2,04,43
